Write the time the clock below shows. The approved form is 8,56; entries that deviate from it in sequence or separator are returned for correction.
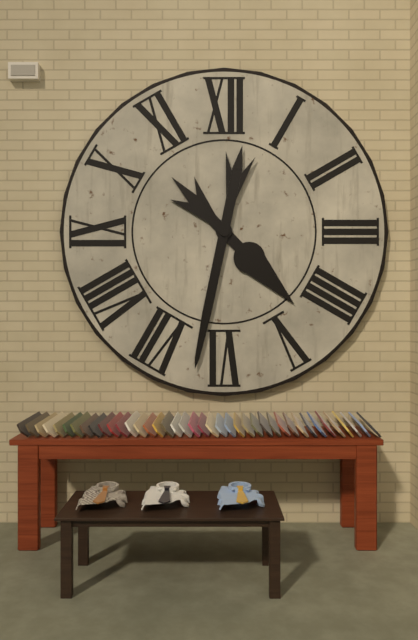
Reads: 4,32
